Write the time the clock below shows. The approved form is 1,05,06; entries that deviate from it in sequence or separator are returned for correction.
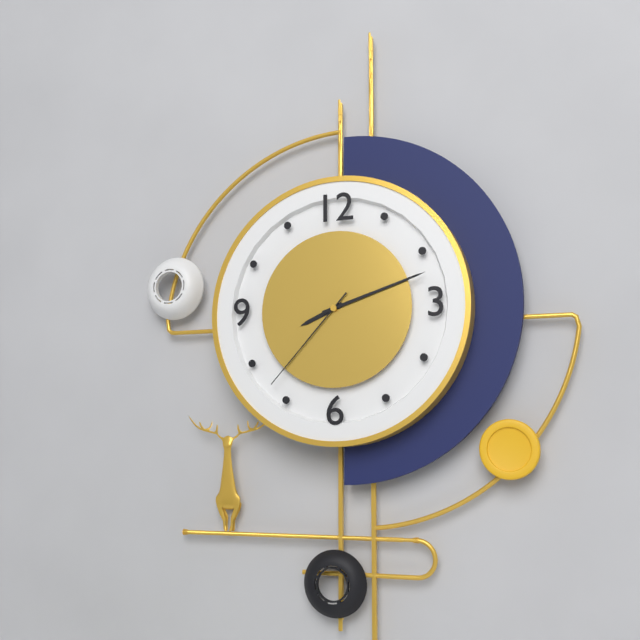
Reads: 8,12,37
